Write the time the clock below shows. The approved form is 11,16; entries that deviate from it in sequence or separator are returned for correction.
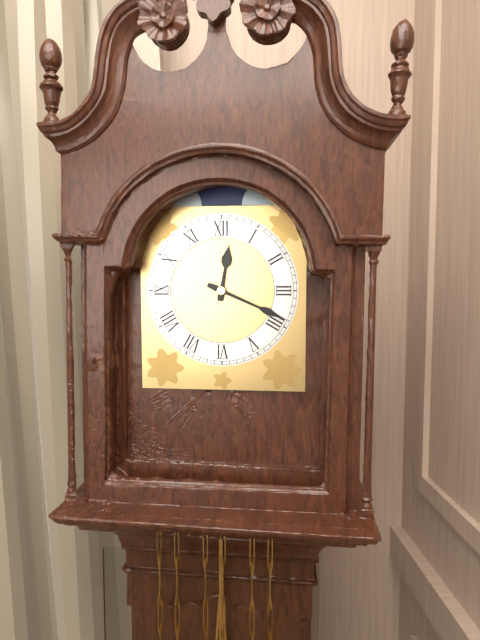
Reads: 12,19
